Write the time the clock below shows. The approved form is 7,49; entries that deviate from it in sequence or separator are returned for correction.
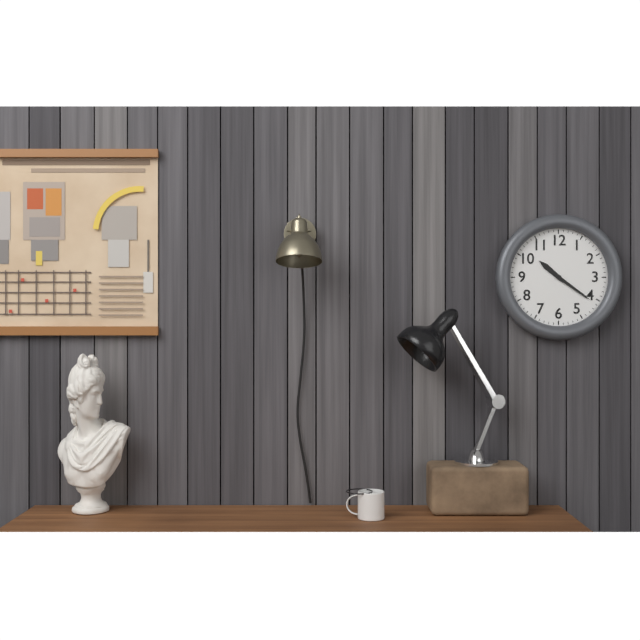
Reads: 10,21
